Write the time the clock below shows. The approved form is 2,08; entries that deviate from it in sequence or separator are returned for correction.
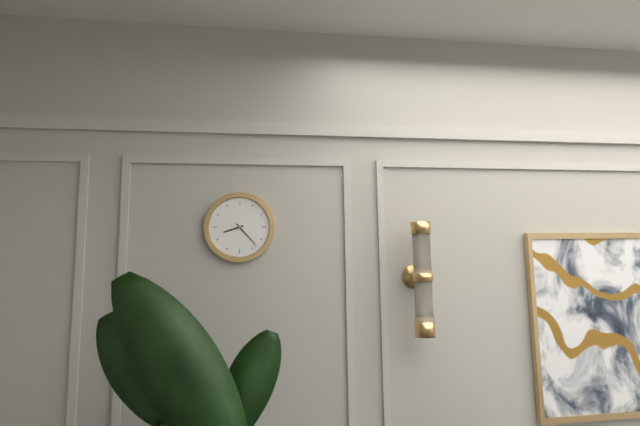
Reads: 8,23
